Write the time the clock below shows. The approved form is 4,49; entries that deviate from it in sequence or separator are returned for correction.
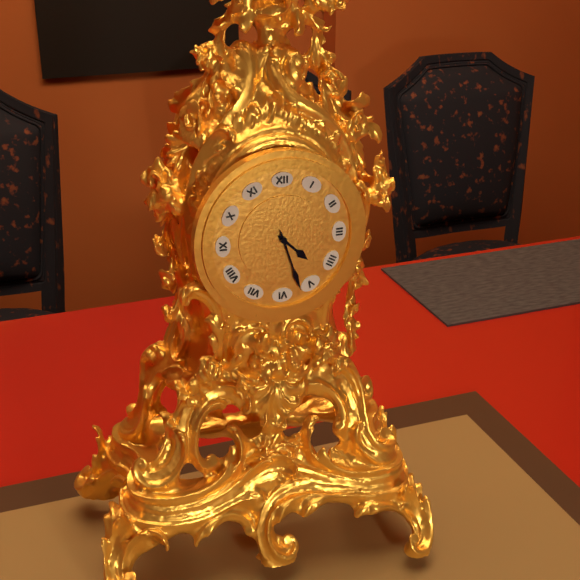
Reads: 4,27
